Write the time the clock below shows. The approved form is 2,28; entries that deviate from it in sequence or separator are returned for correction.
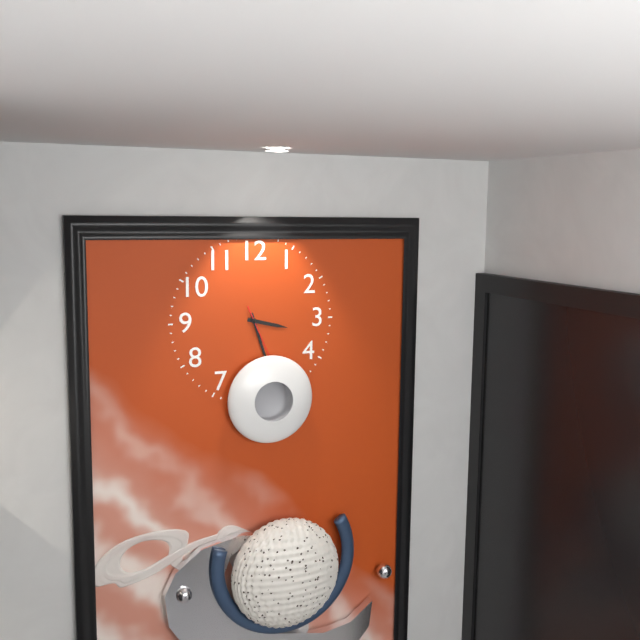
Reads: 3,27
